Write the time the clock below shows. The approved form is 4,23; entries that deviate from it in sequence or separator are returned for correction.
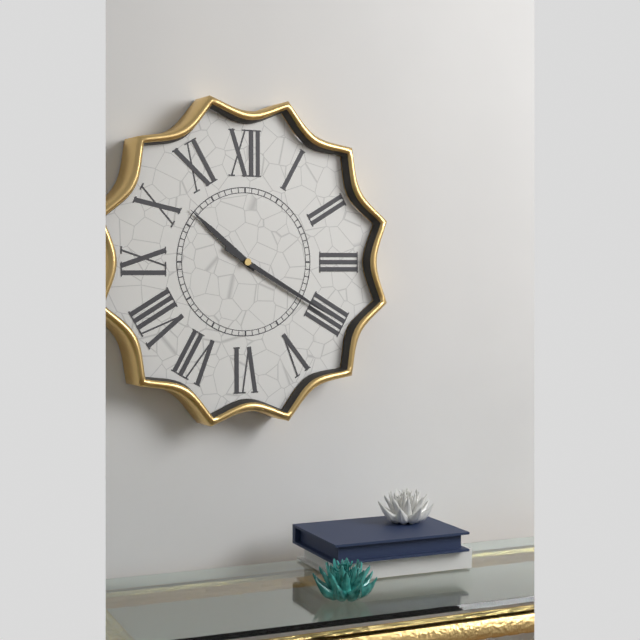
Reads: 10,20
